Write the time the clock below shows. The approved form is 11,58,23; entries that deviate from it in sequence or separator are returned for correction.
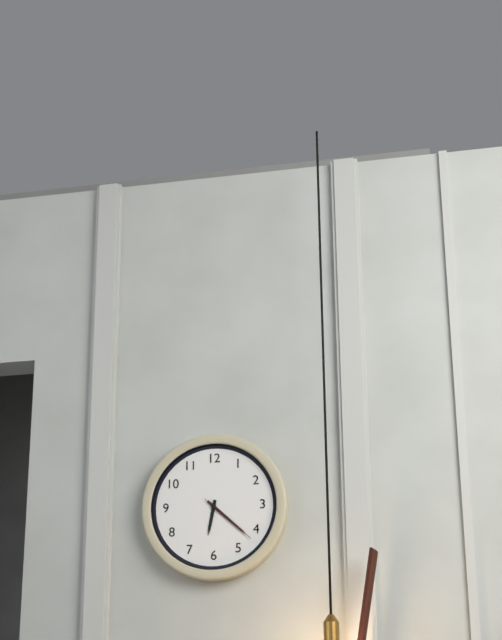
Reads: 6,22,22
